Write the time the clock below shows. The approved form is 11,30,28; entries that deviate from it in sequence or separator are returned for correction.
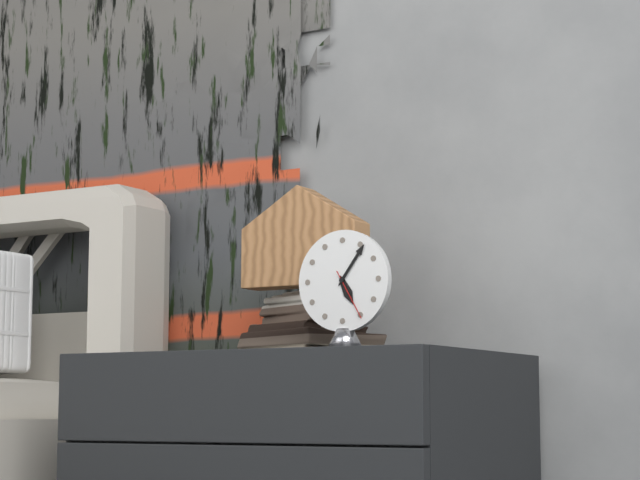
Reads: 5,06,25
